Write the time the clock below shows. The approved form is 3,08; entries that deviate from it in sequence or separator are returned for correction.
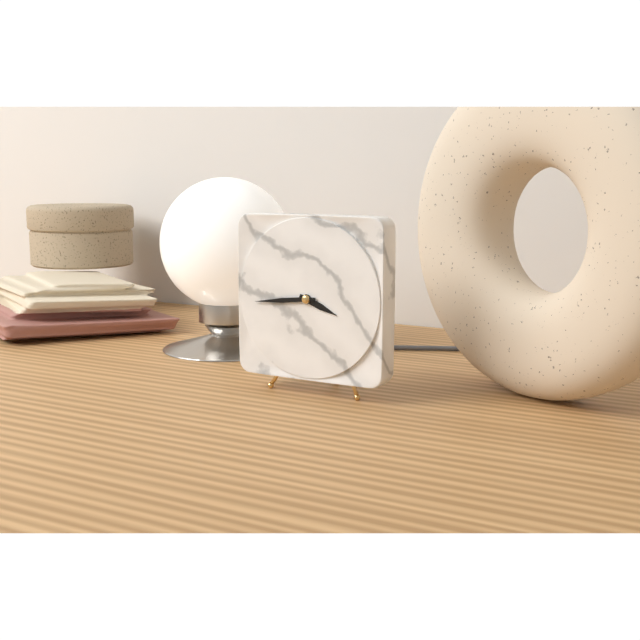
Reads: 3,44
